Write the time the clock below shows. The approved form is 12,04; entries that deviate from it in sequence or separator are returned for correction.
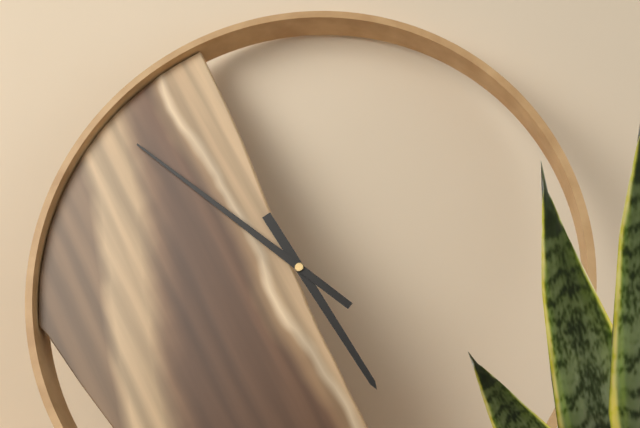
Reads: 4,51
